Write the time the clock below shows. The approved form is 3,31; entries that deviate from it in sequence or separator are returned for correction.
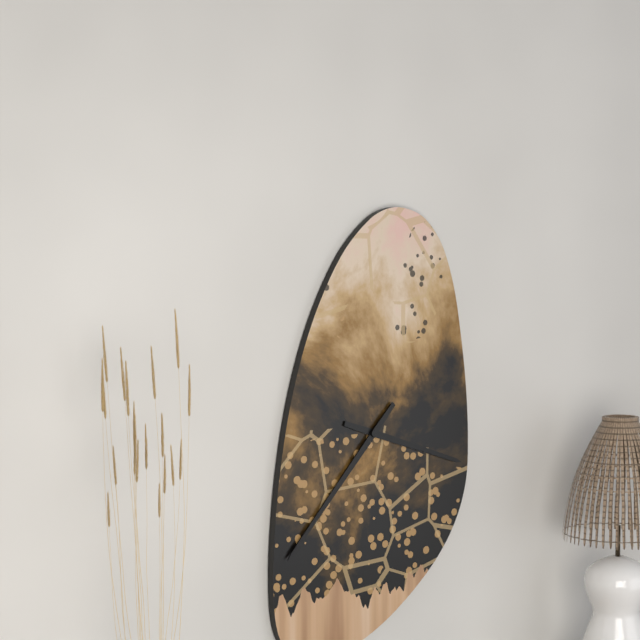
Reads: 3,37
